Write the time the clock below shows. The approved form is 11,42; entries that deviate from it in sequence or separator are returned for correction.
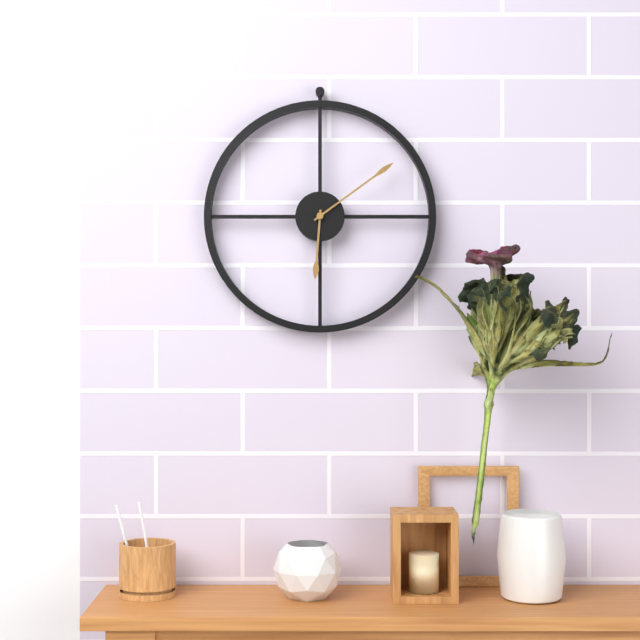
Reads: 6,09
